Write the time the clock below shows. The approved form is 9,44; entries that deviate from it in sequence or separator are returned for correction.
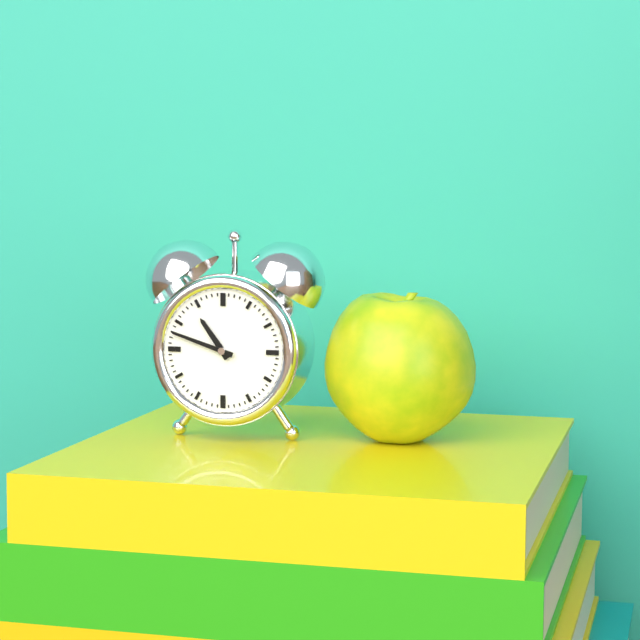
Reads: 10,48
